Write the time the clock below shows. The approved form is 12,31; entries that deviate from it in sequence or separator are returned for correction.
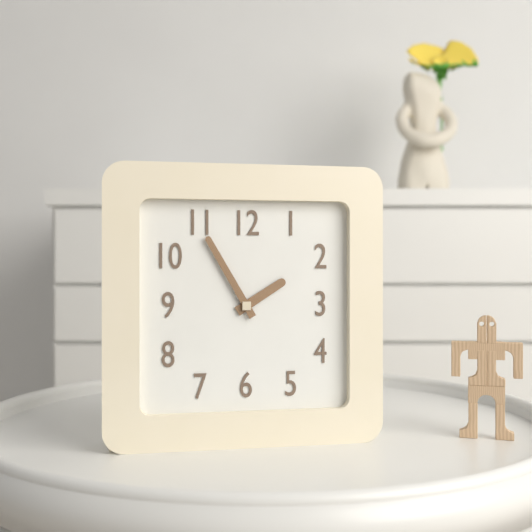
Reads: 1,55
